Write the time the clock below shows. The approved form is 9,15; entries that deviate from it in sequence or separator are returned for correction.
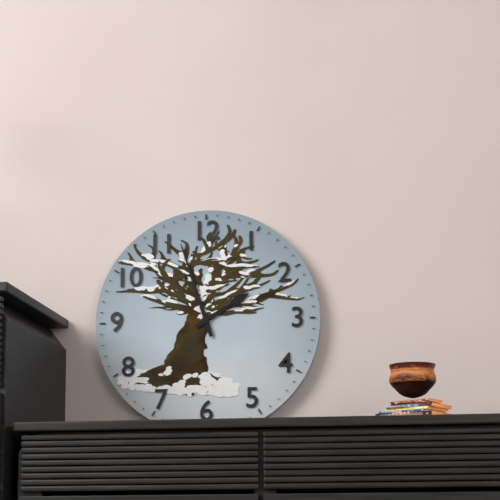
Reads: 1,57
